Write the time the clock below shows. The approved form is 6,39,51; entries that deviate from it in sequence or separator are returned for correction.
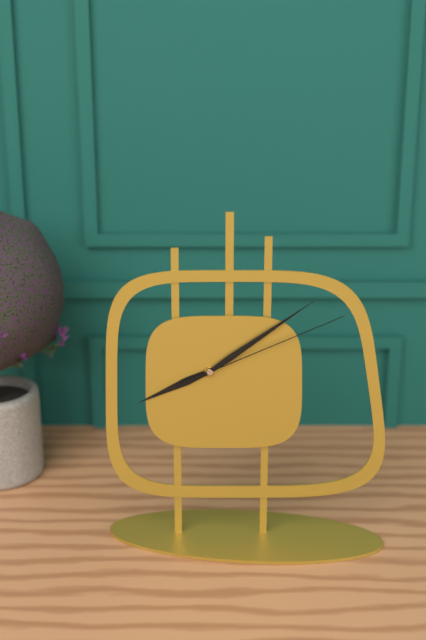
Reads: 8,09,11
